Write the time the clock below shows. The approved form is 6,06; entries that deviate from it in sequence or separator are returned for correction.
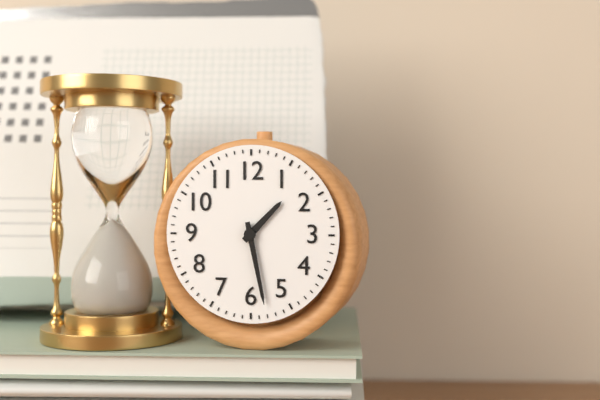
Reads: 1,28
